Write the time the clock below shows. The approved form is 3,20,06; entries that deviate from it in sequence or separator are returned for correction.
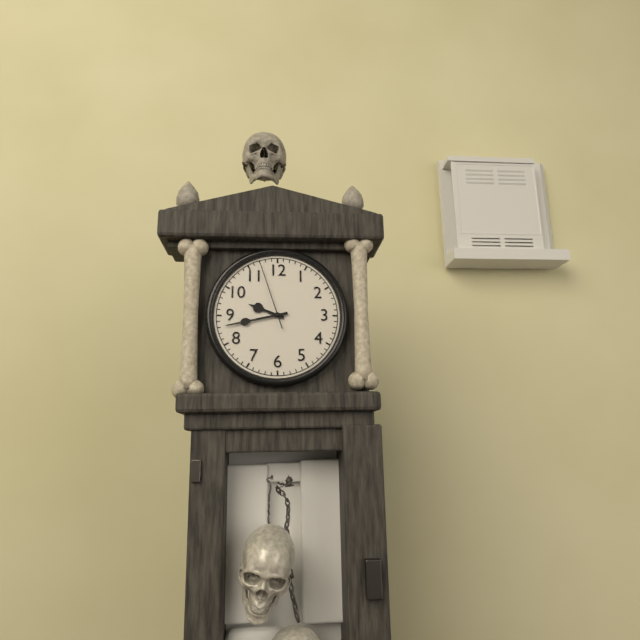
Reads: 9,43,57
